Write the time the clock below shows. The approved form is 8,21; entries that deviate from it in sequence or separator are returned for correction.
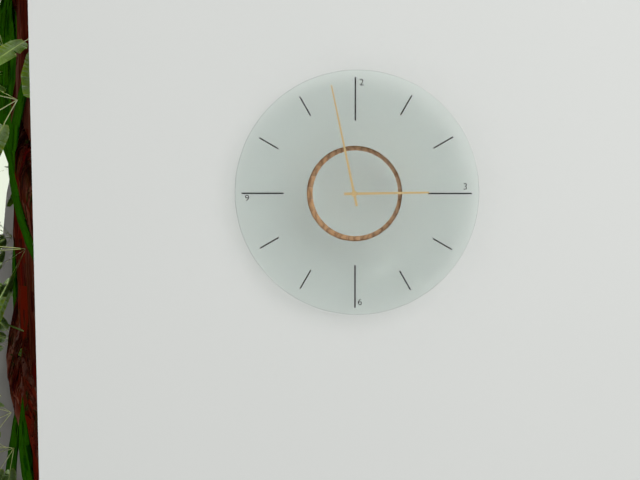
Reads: 2,58
